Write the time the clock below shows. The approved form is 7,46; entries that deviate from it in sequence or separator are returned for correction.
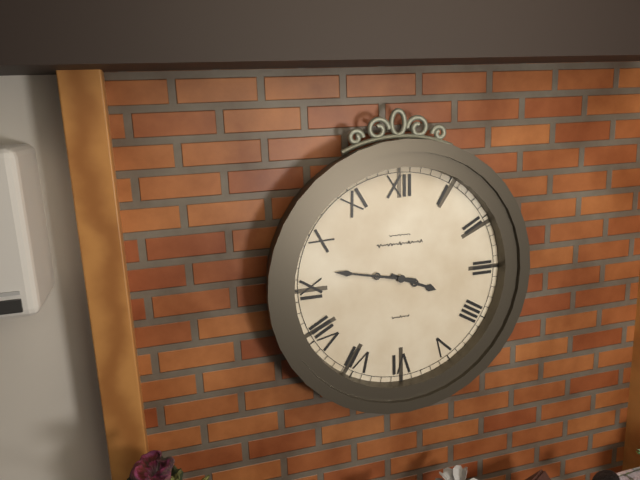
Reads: 3,47
